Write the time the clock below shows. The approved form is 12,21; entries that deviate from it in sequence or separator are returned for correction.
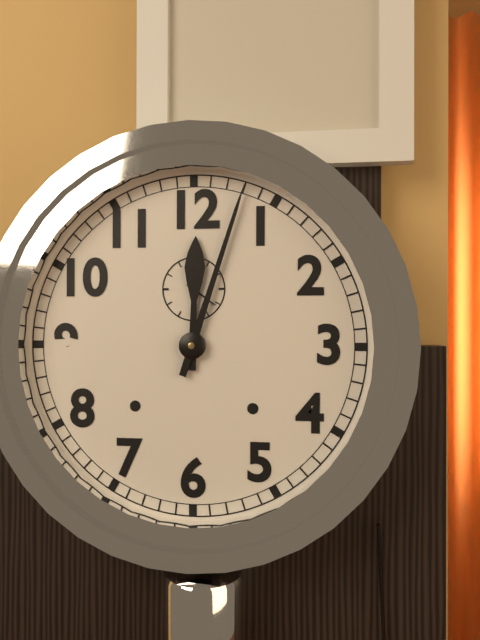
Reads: 12,03
